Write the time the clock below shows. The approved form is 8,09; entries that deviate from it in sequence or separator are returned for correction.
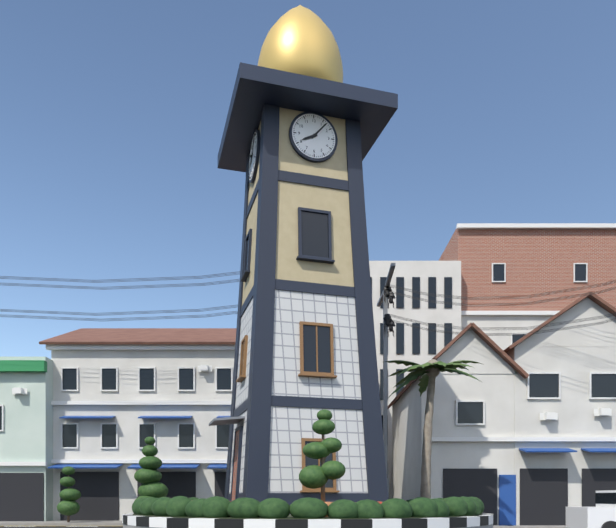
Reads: 8,07
